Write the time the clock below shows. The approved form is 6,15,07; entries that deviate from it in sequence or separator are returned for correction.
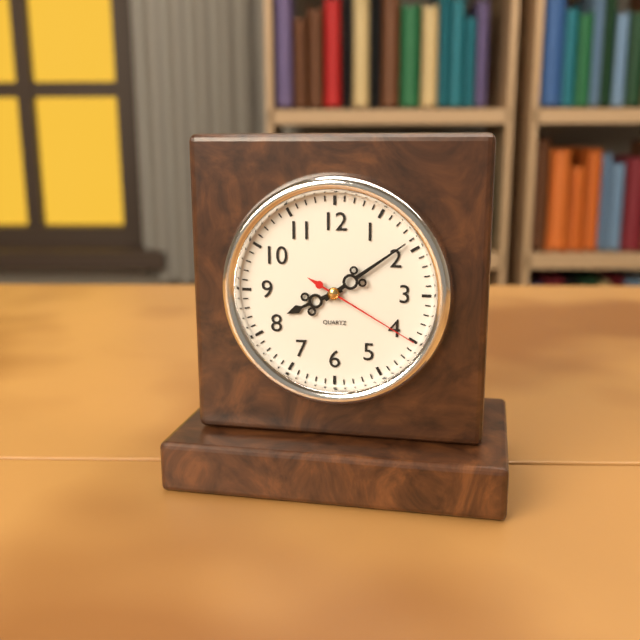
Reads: 8,09,20
